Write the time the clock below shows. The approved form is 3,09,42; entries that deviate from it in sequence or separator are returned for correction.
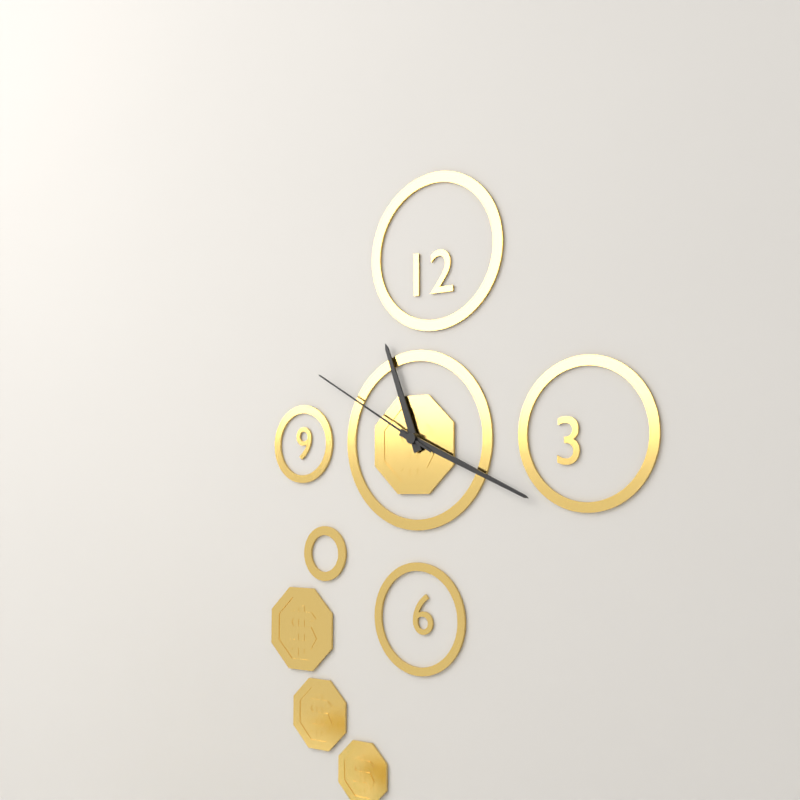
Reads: 11,19,50
